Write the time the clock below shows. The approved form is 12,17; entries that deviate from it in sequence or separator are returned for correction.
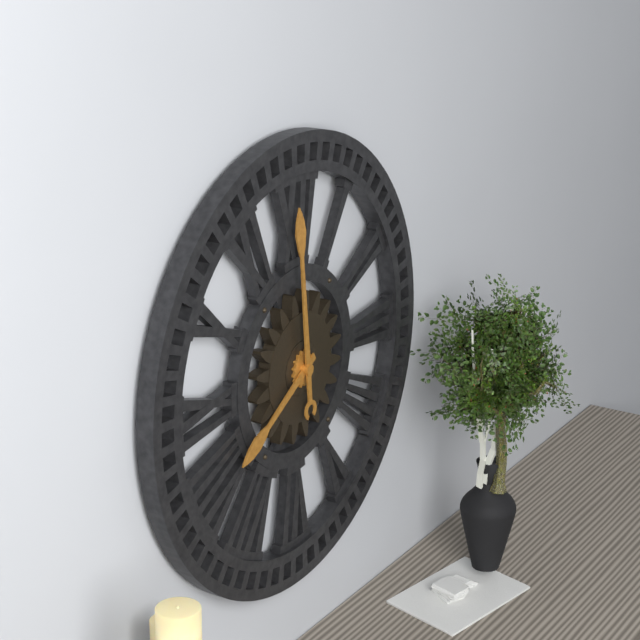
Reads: 7,59
